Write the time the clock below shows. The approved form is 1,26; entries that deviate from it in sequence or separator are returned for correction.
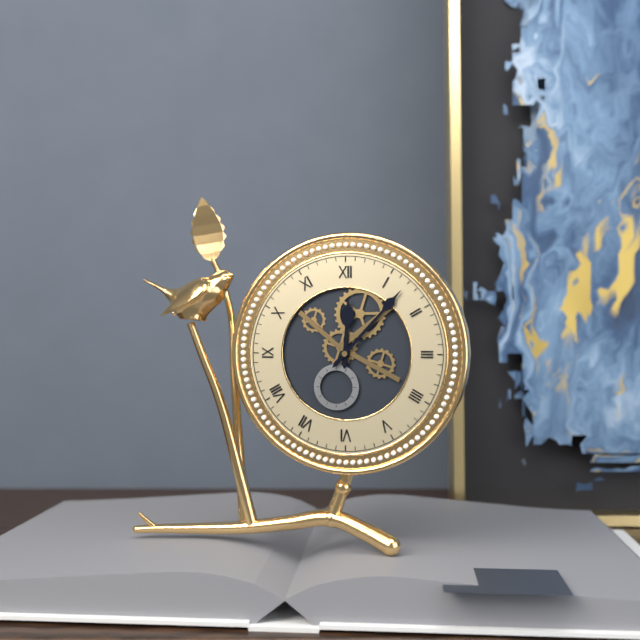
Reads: 12,07
